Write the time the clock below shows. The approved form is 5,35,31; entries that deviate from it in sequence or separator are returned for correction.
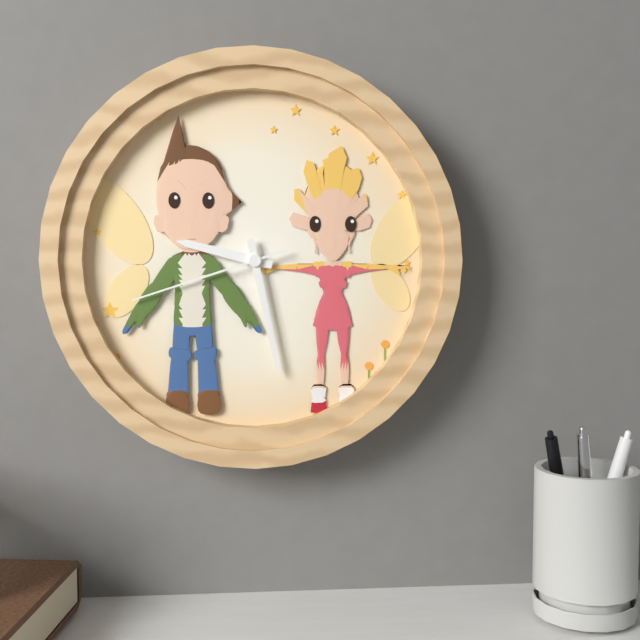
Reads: 9,28,42
